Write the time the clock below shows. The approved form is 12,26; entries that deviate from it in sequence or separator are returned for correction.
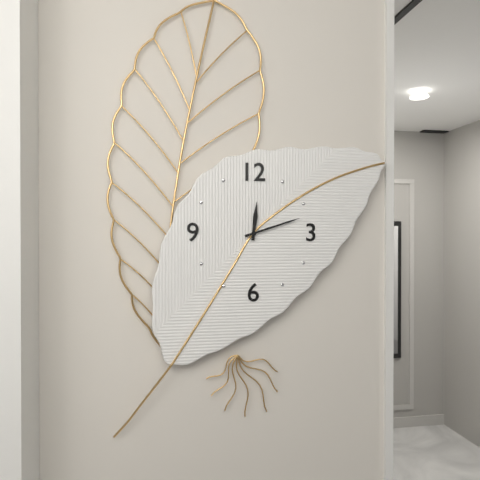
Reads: 12,12
